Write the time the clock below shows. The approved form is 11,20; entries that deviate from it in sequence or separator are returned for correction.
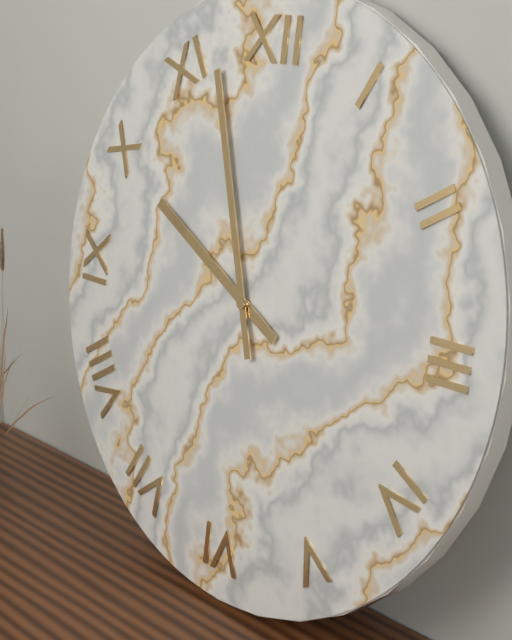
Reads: 9,57
